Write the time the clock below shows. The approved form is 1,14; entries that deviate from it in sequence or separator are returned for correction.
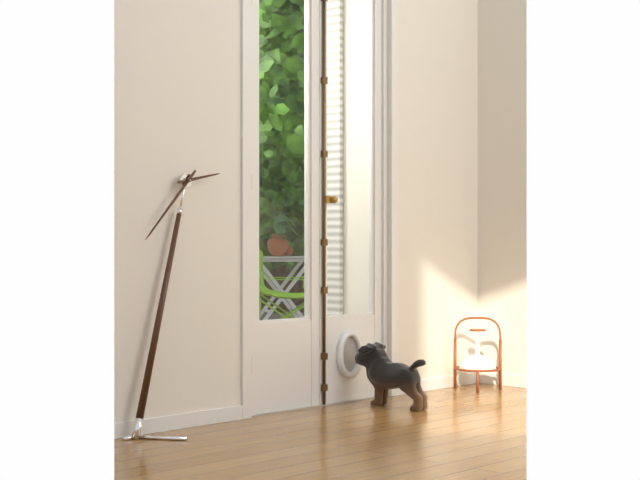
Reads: 2,37
